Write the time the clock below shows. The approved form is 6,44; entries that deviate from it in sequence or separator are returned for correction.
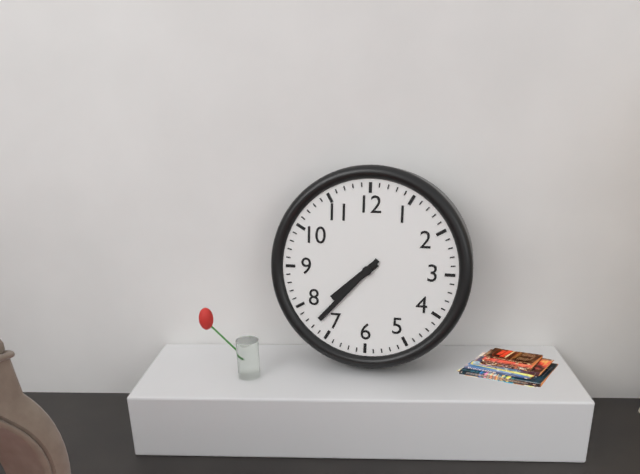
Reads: 7,37
